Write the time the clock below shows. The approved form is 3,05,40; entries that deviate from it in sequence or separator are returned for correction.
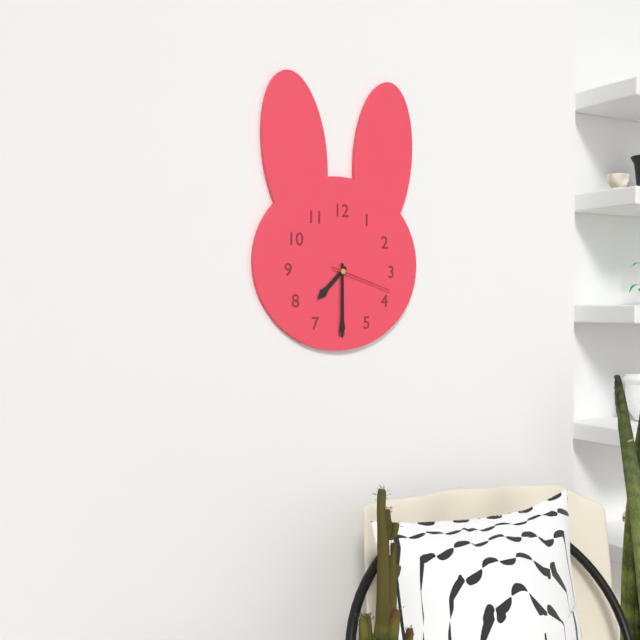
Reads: 7,30,18
